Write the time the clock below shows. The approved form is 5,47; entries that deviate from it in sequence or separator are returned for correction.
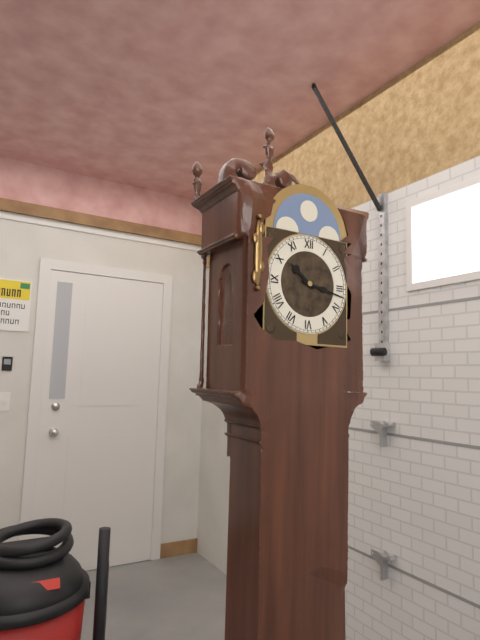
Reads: 10,17
